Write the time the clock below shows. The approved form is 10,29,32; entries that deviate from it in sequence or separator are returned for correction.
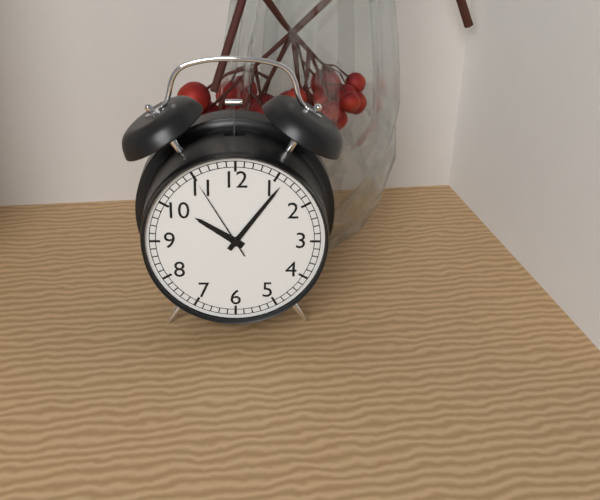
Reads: 10,06,55
